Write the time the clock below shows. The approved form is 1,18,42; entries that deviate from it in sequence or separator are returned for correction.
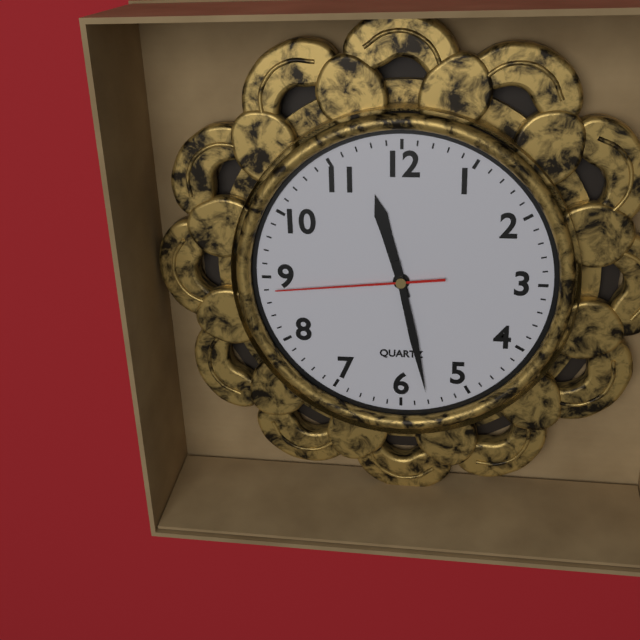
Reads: 11,28,44
